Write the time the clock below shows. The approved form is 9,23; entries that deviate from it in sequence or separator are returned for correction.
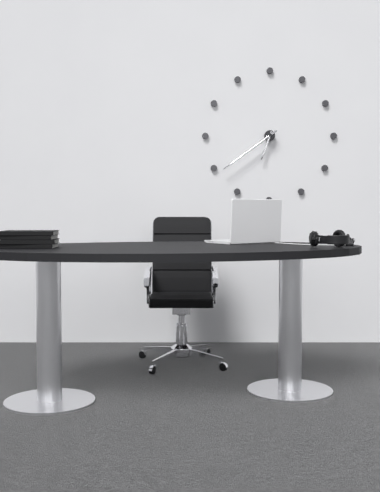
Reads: 6,39
